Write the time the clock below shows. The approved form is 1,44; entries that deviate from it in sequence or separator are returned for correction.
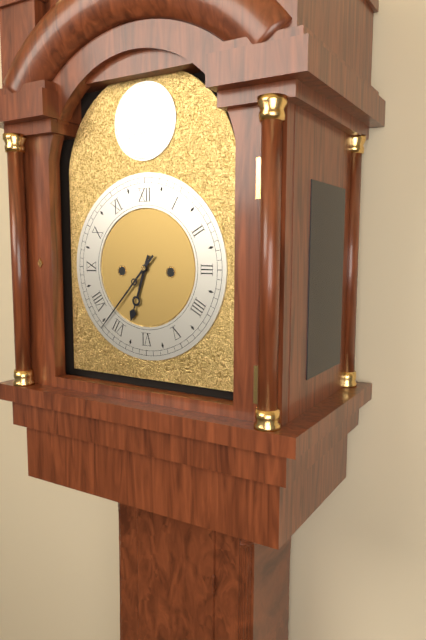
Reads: 6,37
